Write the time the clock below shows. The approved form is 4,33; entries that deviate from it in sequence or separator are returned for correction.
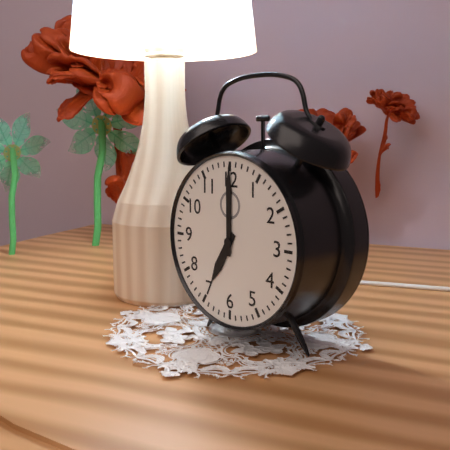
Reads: 7,00
